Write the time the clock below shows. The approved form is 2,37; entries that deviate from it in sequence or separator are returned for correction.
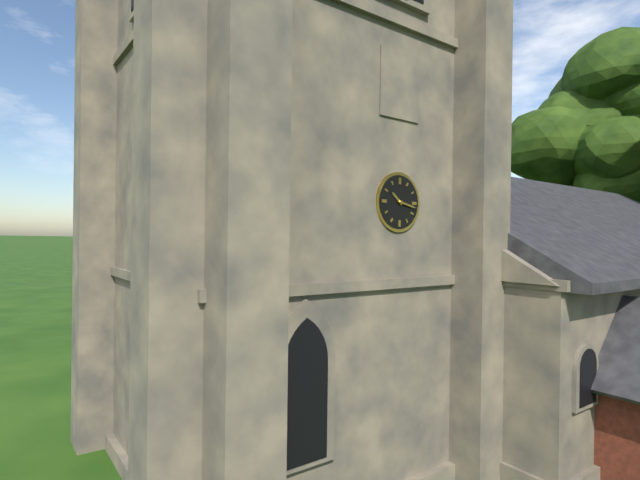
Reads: 10,17
